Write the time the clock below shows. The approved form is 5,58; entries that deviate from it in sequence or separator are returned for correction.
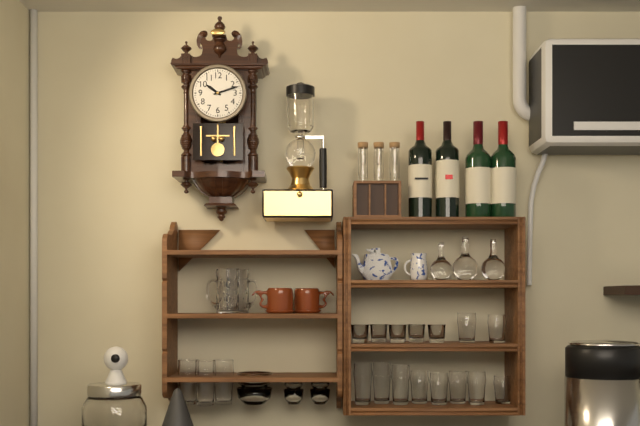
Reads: 10,12
